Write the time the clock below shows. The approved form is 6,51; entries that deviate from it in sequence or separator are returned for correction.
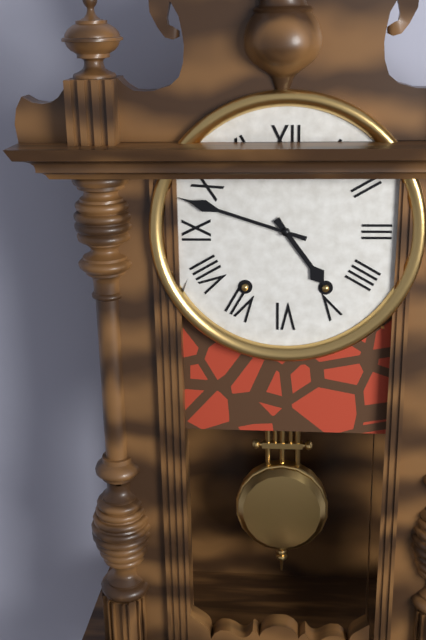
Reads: 4,48
